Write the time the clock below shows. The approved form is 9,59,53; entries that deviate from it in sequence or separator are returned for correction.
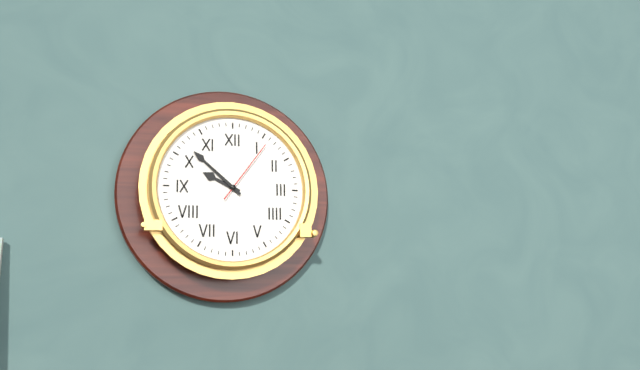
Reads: 9,52,06
